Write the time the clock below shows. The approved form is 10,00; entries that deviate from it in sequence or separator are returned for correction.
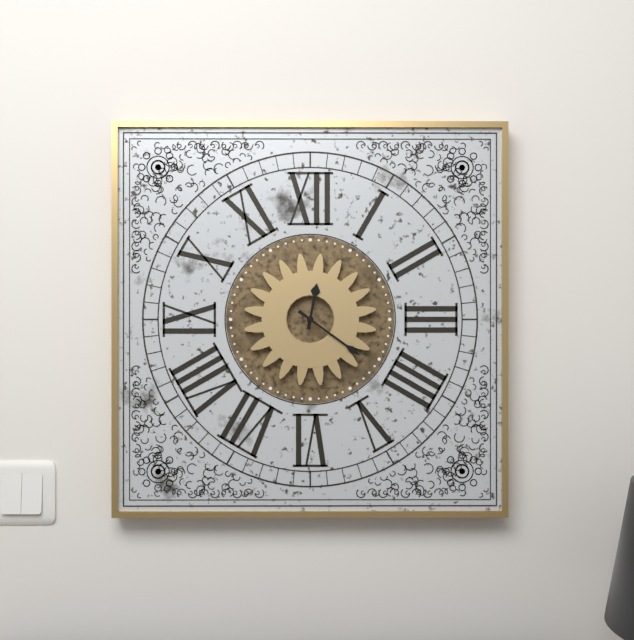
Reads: 12,21
